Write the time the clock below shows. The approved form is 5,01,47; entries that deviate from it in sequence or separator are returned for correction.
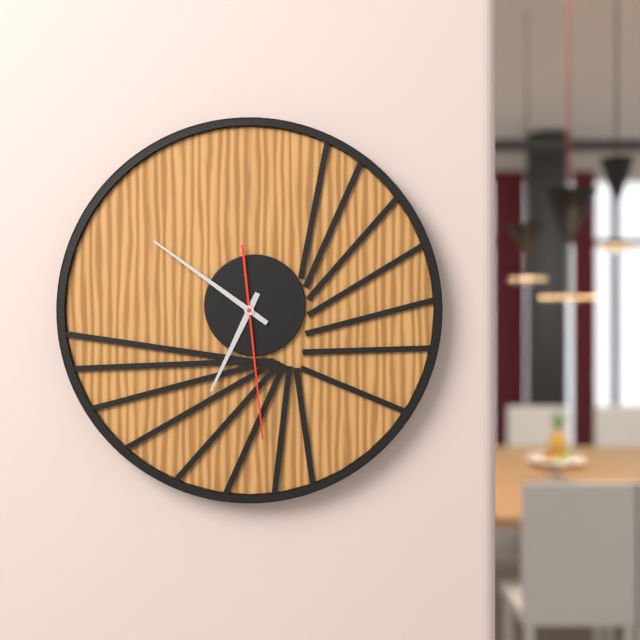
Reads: 6,51,29
